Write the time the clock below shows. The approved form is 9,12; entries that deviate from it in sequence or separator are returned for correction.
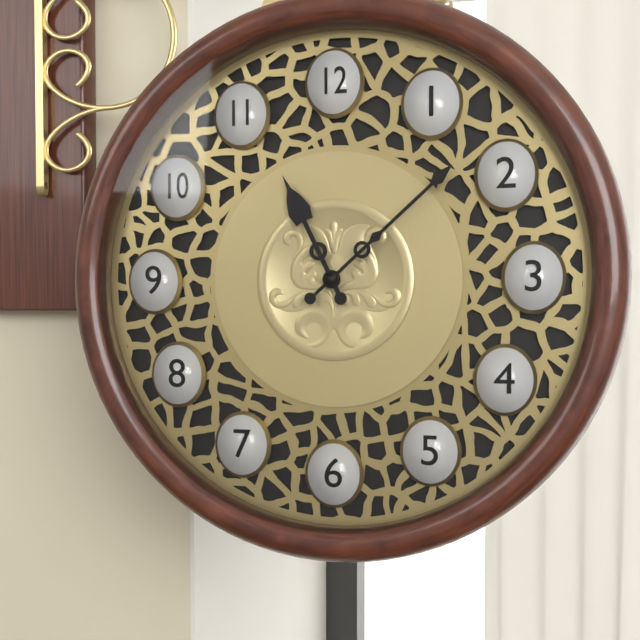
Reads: 11,08
